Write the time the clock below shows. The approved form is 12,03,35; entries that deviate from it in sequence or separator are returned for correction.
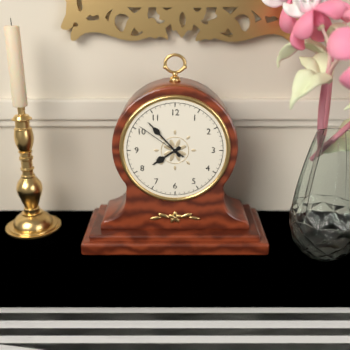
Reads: 7,53,51
